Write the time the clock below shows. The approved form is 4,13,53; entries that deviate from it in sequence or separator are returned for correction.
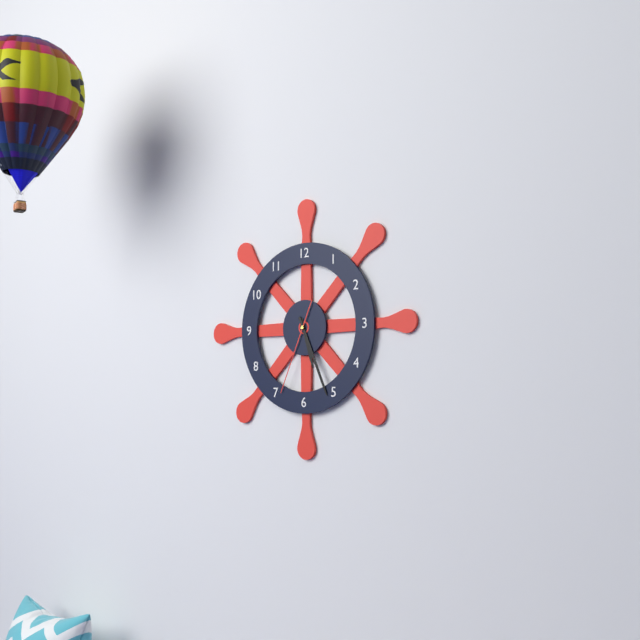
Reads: 5,26,34
